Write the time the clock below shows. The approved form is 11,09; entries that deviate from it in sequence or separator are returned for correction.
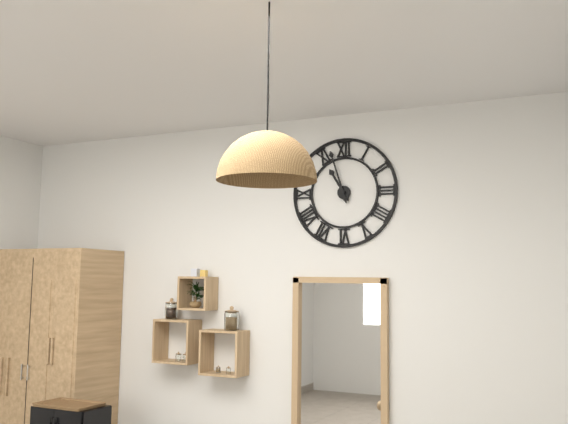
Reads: 10,57
